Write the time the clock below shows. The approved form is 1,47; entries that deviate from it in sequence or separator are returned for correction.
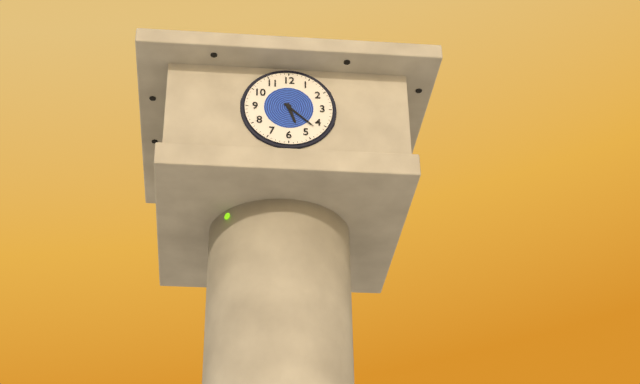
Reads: 5,22
